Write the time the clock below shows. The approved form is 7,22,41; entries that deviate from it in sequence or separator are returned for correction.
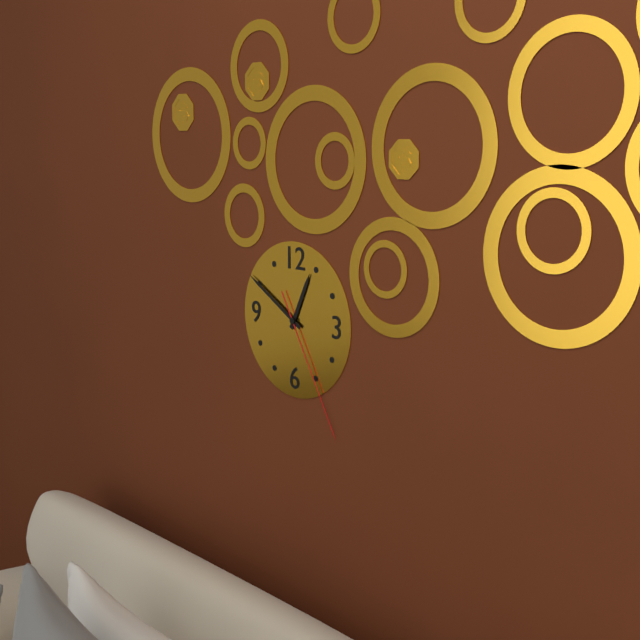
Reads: 12,50,25
